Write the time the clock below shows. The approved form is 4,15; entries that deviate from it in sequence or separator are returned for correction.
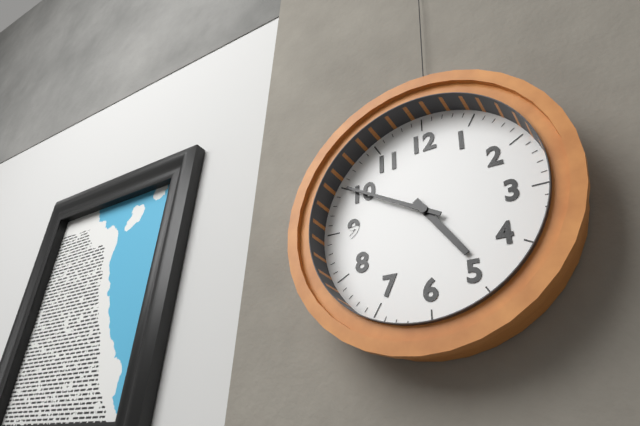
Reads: 4,50
